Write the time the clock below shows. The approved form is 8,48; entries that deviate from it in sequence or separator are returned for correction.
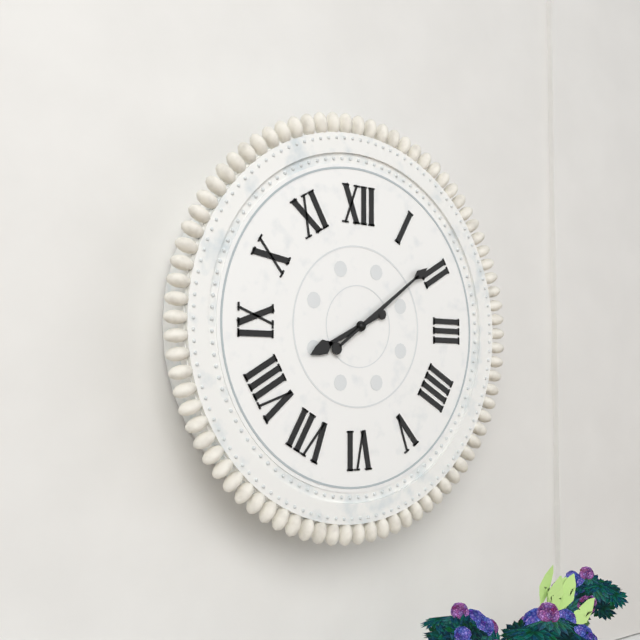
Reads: 8,09
